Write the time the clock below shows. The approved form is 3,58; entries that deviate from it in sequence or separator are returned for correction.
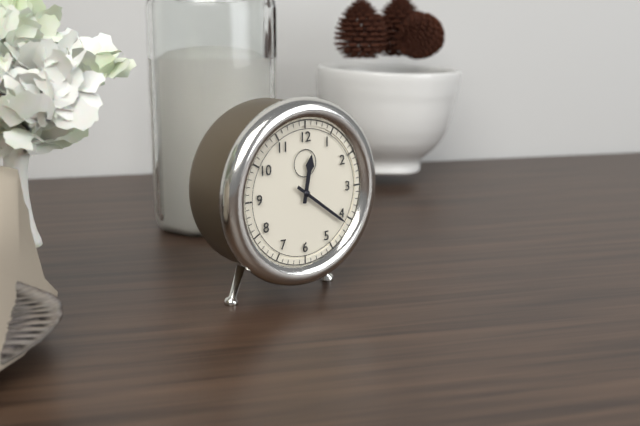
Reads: 12,21
